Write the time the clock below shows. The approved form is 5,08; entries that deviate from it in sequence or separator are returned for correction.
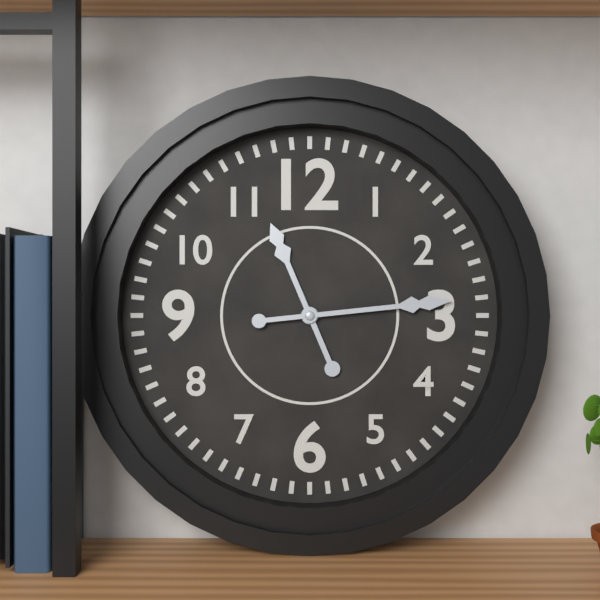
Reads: 11,14
